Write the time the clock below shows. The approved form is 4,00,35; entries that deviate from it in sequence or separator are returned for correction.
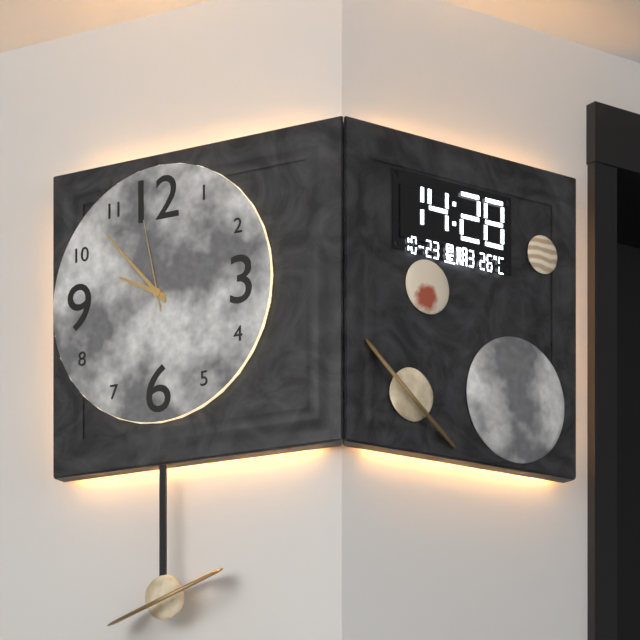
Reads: 9,53,58
